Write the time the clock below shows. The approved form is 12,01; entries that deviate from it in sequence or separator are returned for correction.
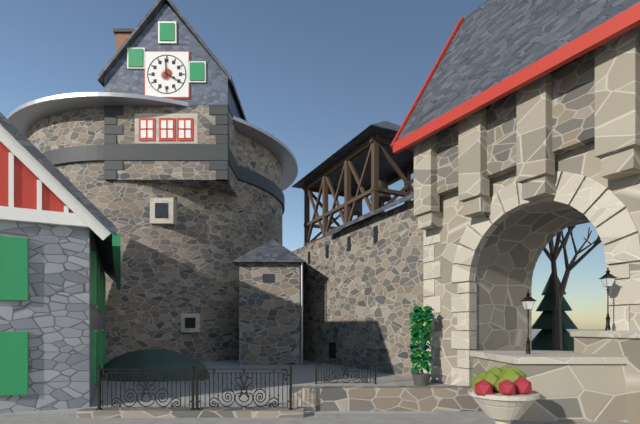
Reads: 3,59
